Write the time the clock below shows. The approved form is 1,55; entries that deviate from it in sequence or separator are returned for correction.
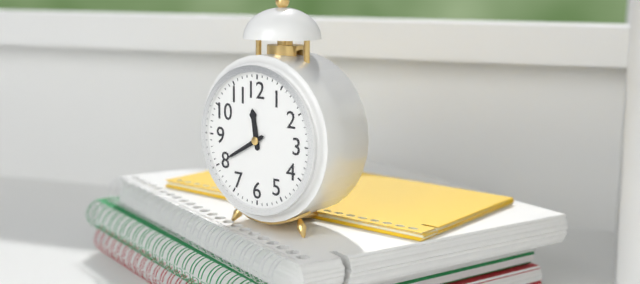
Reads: 11,40
